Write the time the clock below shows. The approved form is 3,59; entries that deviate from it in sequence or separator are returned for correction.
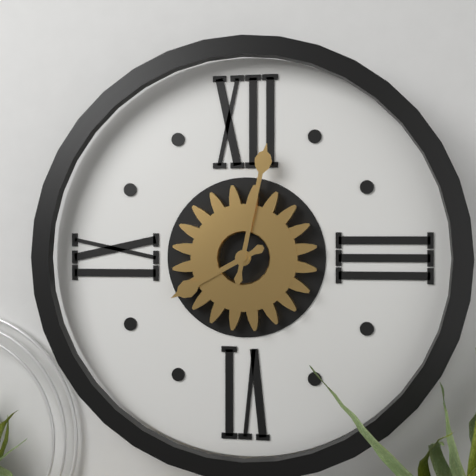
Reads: 8,02
